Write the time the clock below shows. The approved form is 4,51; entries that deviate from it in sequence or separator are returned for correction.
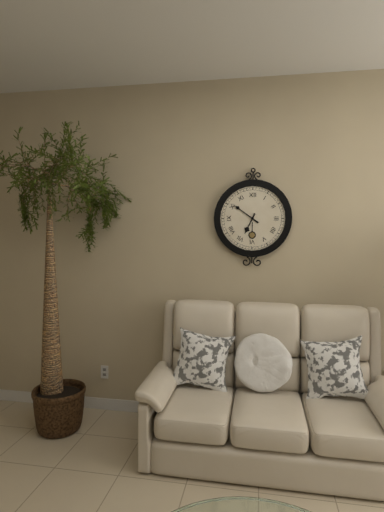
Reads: 6,51
